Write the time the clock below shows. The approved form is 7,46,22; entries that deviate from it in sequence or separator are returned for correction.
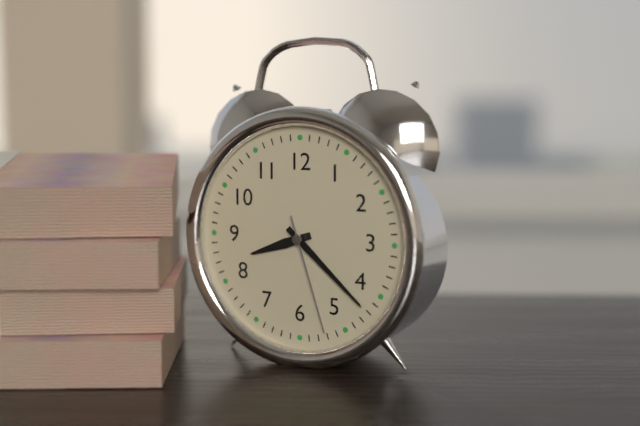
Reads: 8,22,27
